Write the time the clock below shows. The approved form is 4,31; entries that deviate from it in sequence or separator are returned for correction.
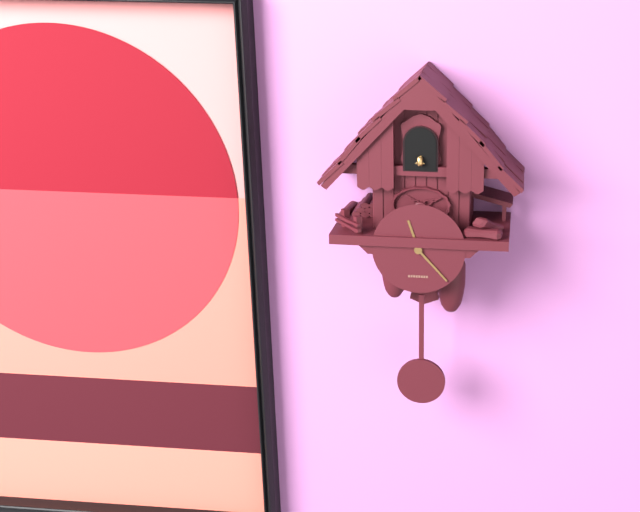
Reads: 11,23
